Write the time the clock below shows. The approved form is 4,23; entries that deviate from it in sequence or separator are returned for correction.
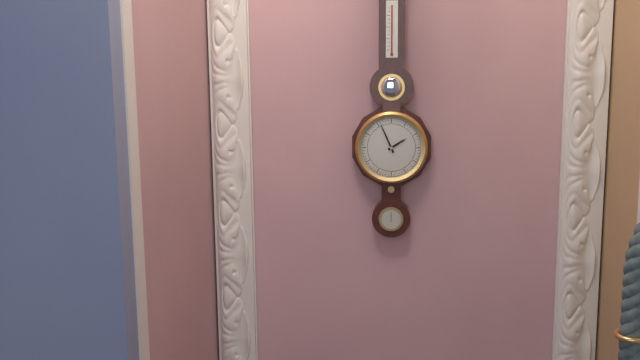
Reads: 1,56
